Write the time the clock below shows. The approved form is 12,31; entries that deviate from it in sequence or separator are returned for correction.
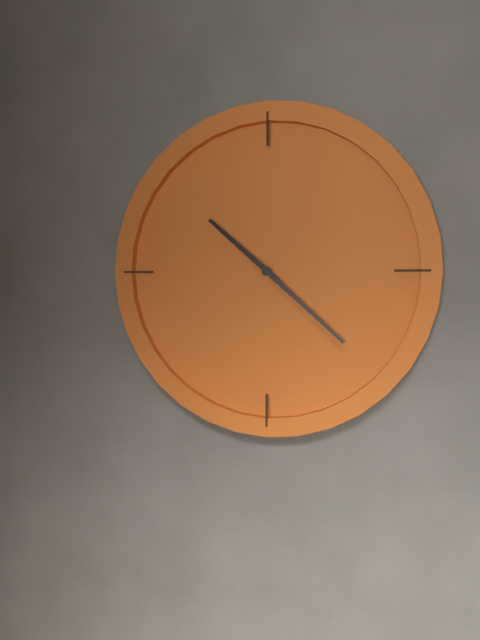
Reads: 10,22
